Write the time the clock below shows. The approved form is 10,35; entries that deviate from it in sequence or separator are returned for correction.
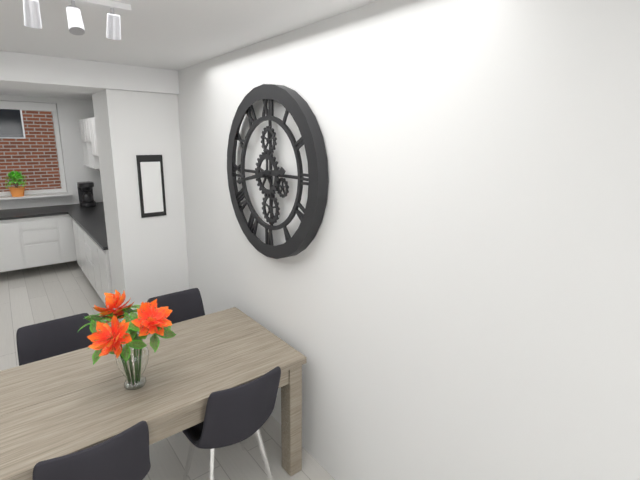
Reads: 2,43
